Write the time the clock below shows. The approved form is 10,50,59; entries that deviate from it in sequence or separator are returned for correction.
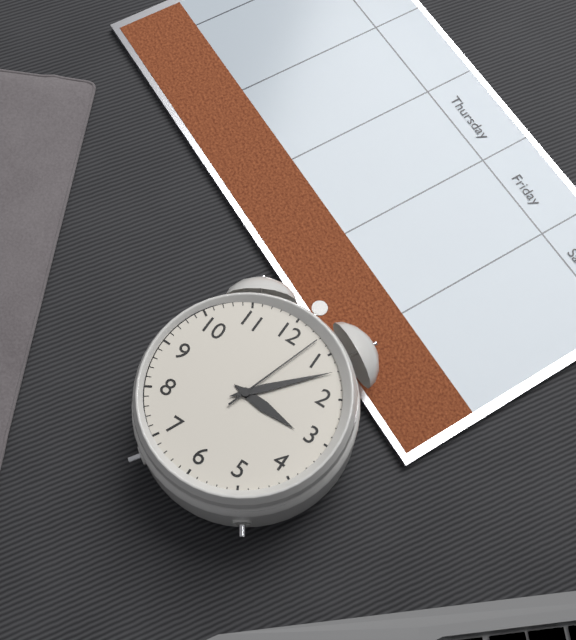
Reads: 3,07,03
